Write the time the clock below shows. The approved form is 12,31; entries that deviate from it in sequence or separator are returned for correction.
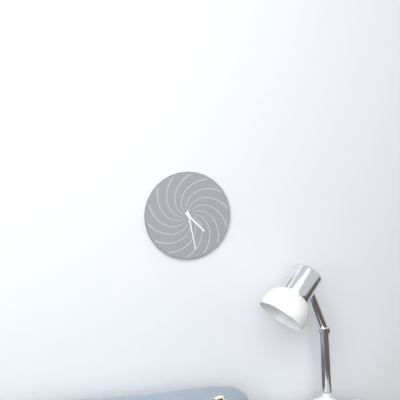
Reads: 4,28
